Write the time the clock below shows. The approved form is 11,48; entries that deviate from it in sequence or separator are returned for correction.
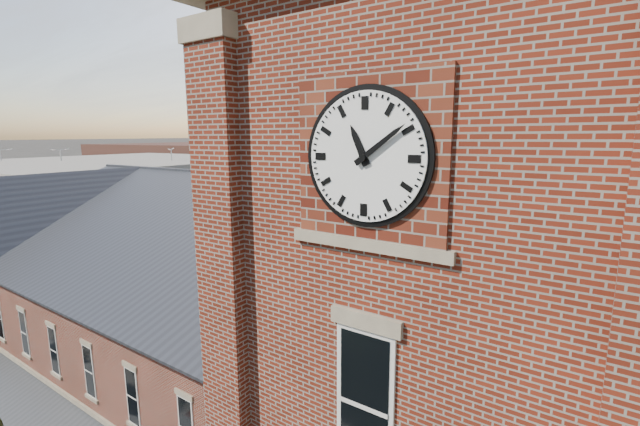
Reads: 11,09
